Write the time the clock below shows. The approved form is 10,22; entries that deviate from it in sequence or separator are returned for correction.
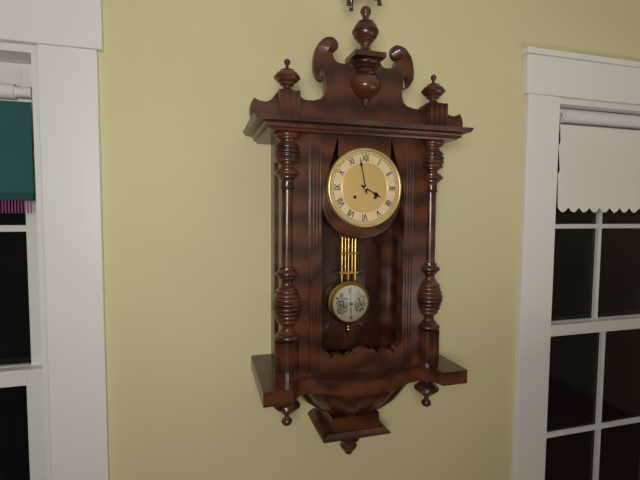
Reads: 3,58
